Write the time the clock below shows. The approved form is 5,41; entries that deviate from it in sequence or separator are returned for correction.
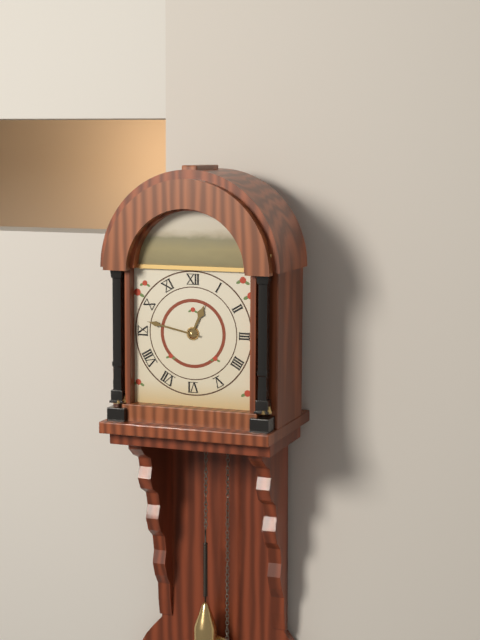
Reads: 12,47
